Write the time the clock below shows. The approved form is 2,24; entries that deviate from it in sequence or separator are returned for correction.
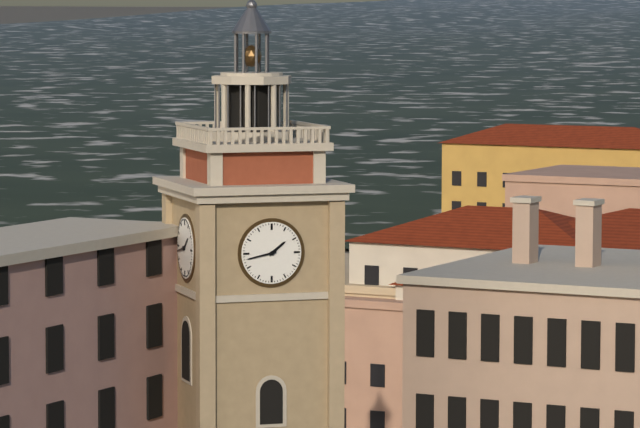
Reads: 1,43
